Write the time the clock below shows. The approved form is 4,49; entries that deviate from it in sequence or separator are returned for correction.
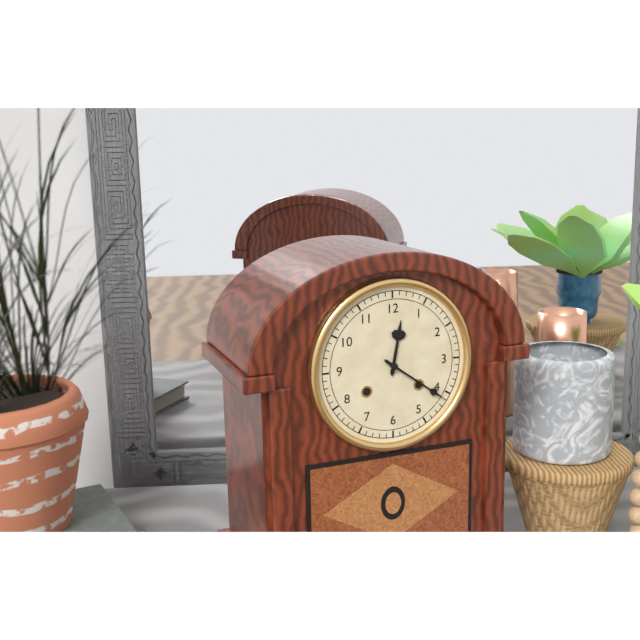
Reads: 12,21
